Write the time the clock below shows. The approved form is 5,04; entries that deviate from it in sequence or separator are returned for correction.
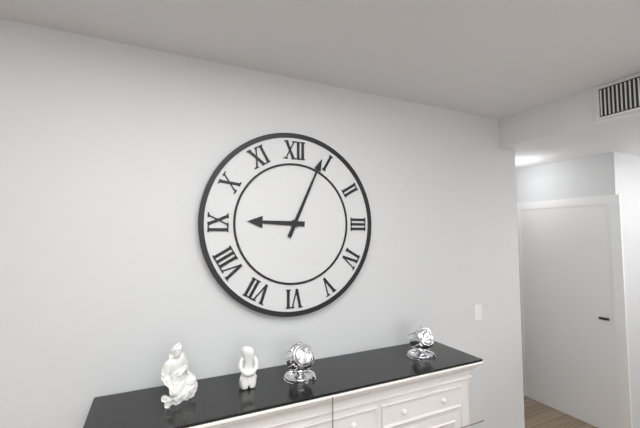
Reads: 9,04
